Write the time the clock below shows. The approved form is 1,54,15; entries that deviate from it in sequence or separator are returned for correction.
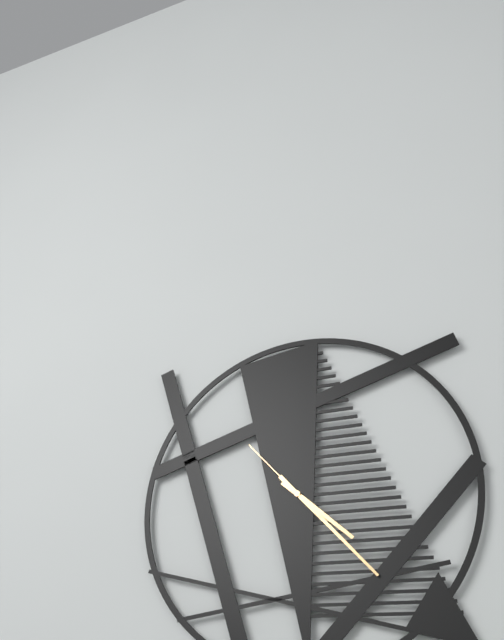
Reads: 4,23,53
